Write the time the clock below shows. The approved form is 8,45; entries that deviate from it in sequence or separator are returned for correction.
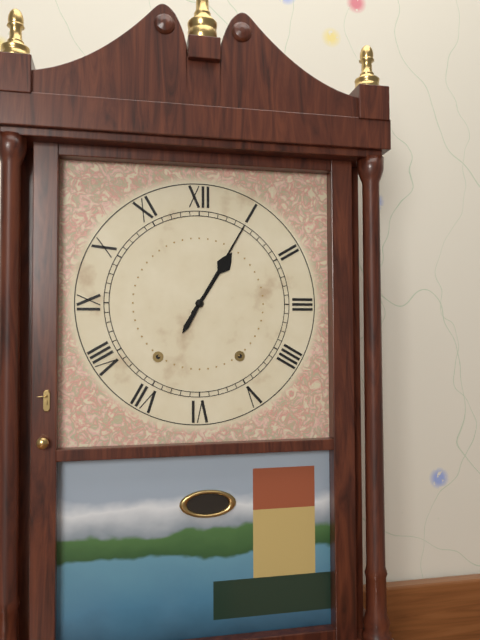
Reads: 1,05
